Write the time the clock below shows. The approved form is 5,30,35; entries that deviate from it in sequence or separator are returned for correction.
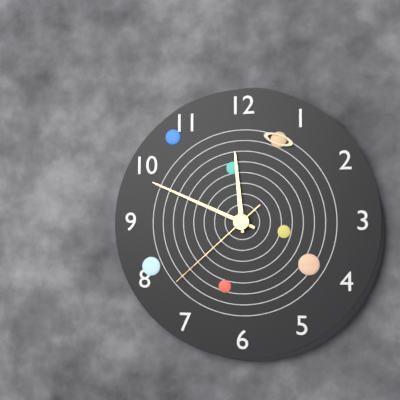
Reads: 11,49,38
